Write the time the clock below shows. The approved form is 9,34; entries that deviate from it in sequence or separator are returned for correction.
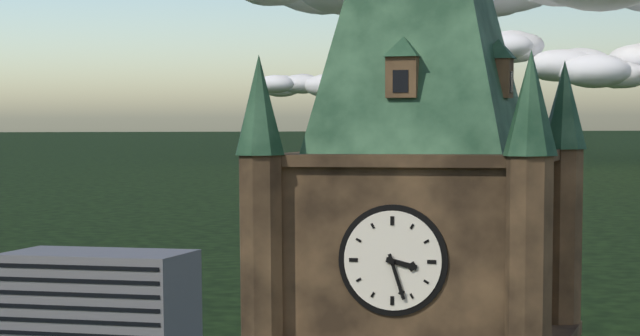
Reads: 3,27
